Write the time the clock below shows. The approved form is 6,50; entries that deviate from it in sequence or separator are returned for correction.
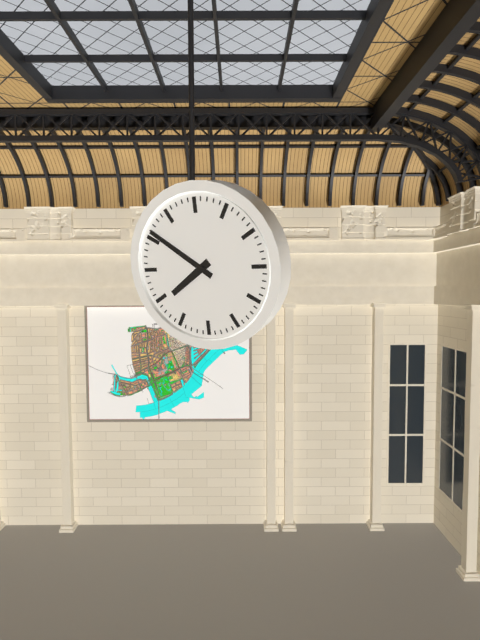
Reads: 7,51
